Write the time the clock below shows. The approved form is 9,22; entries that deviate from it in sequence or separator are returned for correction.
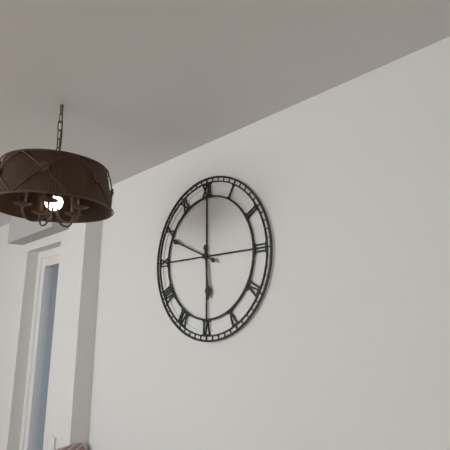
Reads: 5,49
